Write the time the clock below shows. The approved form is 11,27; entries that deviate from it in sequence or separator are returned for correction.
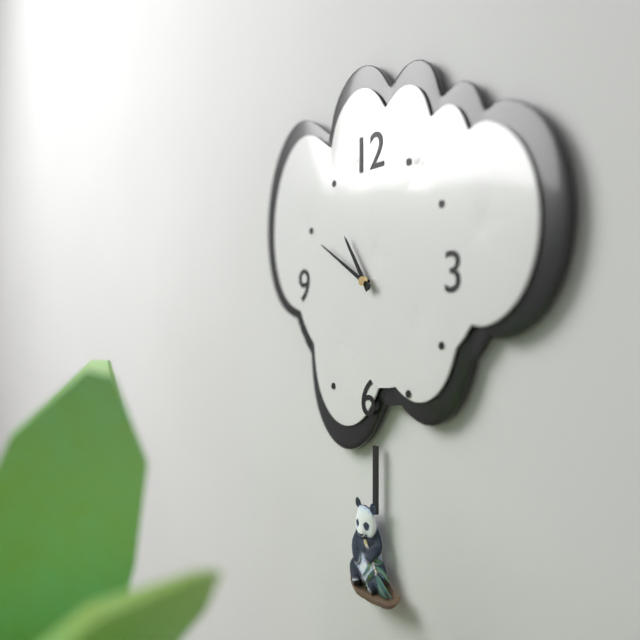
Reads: 10,50
